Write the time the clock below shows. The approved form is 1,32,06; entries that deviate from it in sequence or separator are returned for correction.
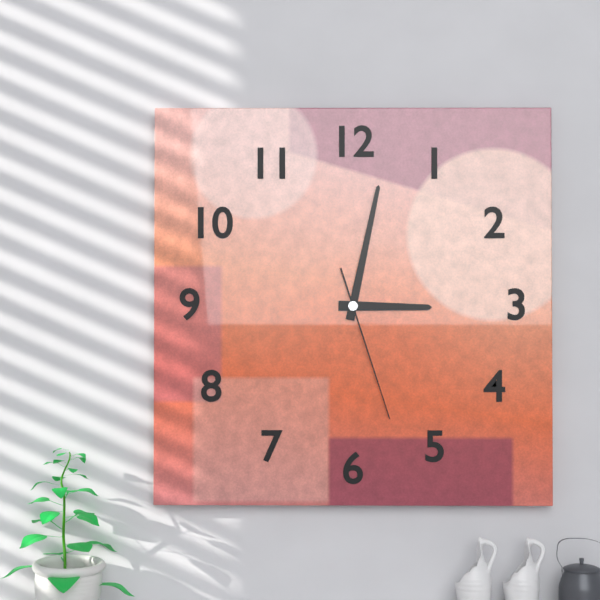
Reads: 3,02,27
